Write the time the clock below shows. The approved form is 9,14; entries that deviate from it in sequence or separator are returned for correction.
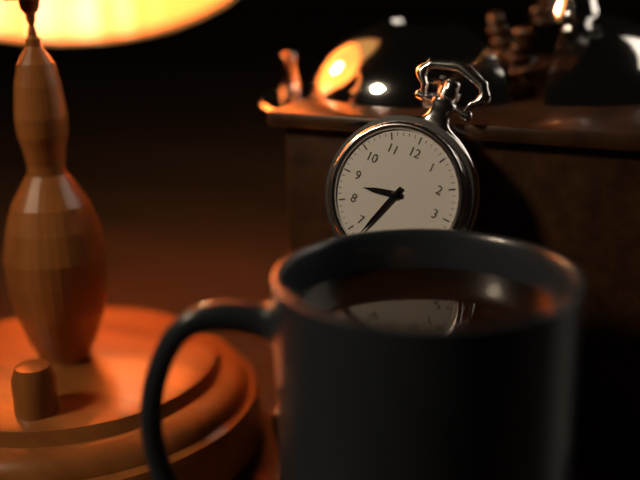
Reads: 8,33
